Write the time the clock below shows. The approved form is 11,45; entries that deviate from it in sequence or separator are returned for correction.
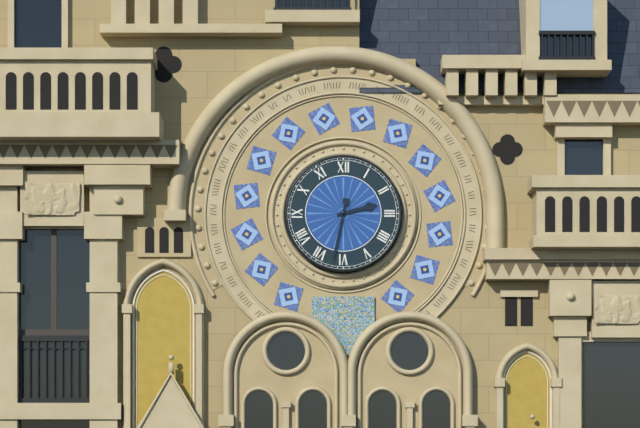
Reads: 2,32
